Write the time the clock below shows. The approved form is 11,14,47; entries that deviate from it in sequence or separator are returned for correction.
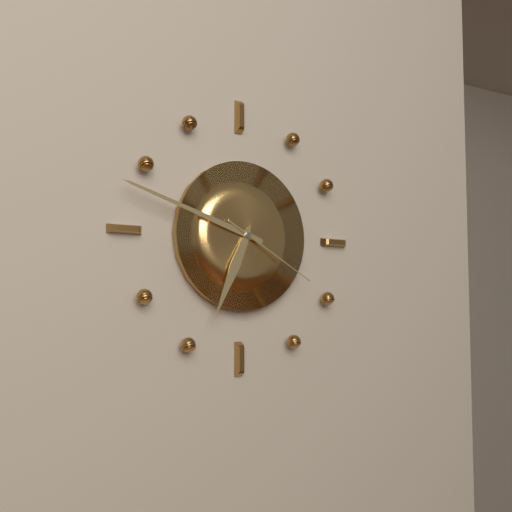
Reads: 6,48,20
